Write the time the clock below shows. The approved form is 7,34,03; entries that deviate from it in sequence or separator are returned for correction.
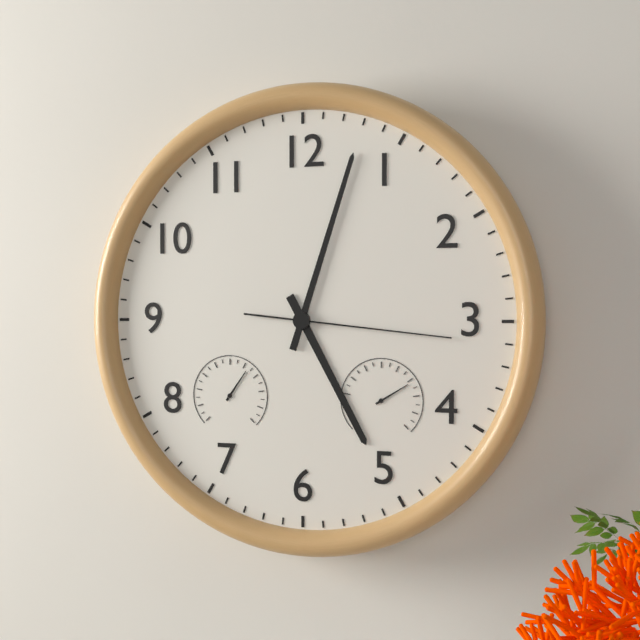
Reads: 5,03,16
